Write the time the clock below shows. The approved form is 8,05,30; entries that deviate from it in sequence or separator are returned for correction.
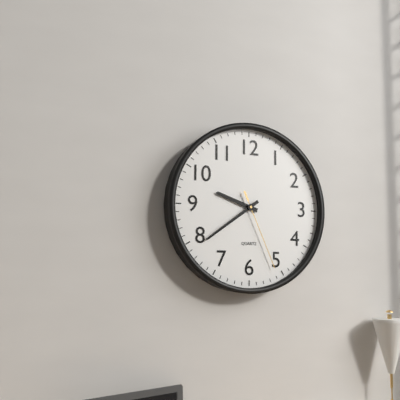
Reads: 9,39,26
